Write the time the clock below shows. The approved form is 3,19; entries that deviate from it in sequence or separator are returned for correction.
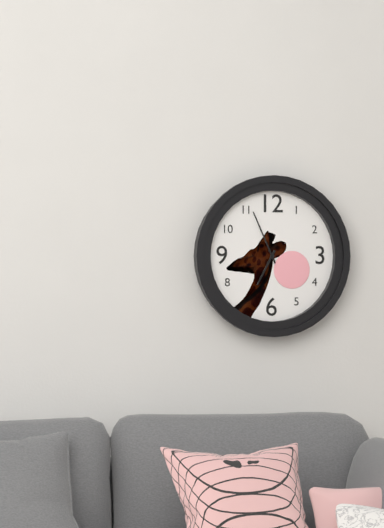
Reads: 6,56
